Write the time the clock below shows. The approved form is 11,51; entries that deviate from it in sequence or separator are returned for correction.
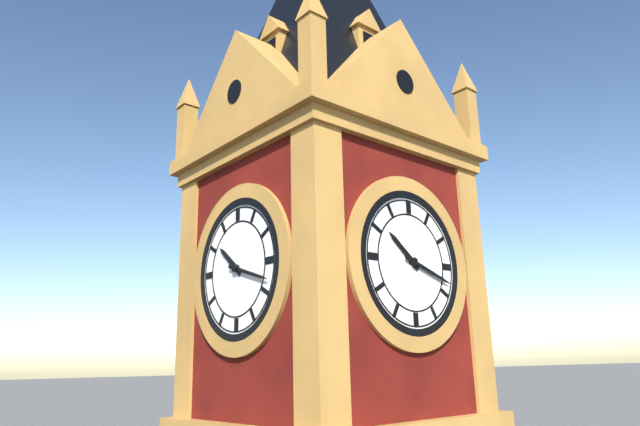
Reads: 10,18
